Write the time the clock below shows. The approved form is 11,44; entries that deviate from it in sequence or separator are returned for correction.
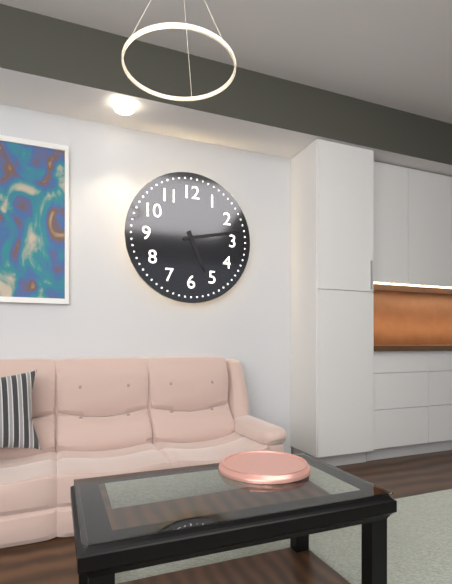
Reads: 5,13
